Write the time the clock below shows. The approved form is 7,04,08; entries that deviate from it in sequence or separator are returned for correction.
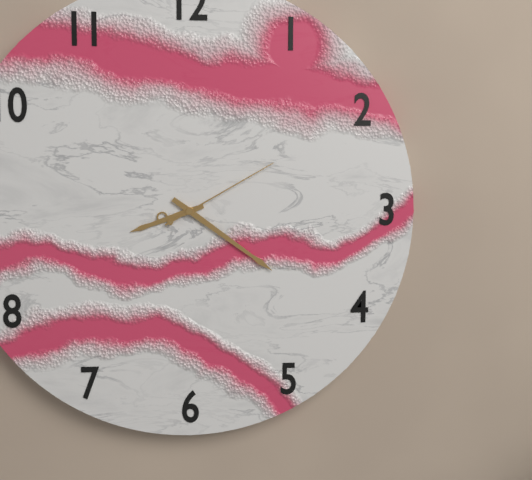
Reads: 8,21,10
